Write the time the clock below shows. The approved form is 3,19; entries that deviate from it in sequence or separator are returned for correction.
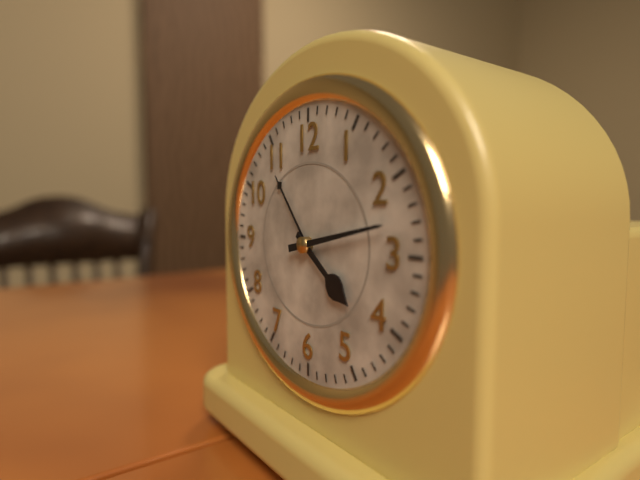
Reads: 4,13
